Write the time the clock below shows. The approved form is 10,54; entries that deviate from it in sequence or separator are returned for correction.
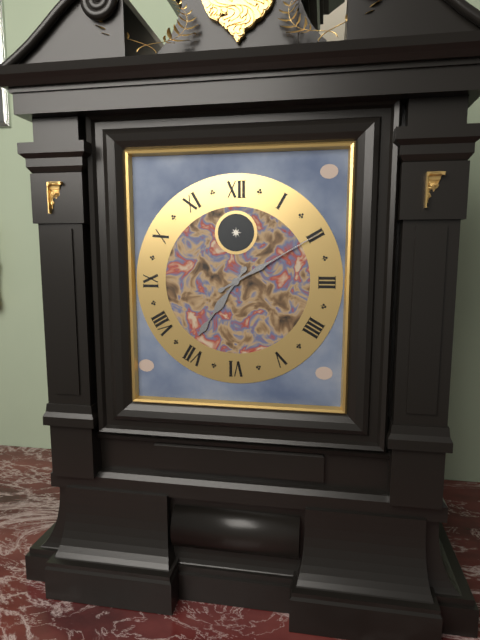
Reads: 7,10
